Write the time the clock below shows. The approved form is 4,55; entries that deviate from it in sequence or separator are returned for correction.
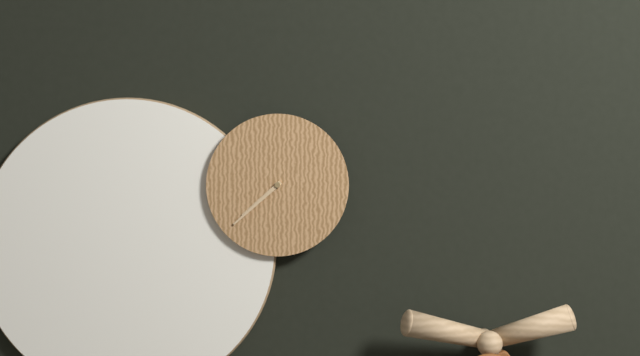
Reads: 7,38
